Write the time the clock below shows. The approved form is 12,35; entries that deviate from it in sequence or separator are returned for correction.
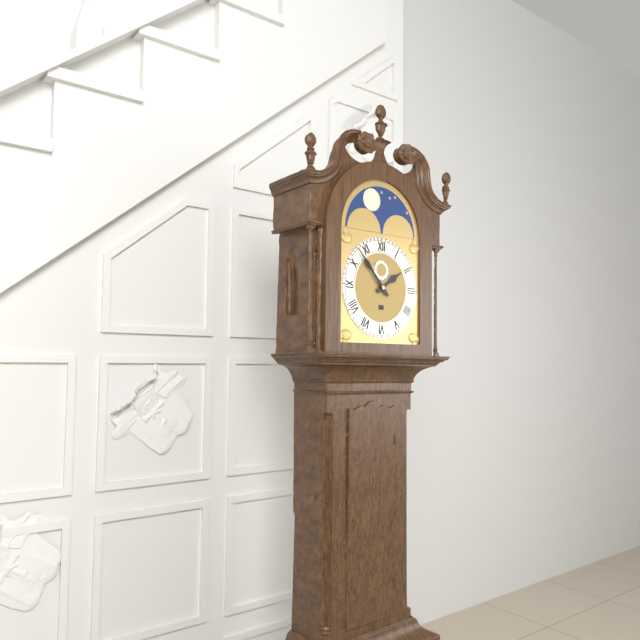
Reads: 1,53
